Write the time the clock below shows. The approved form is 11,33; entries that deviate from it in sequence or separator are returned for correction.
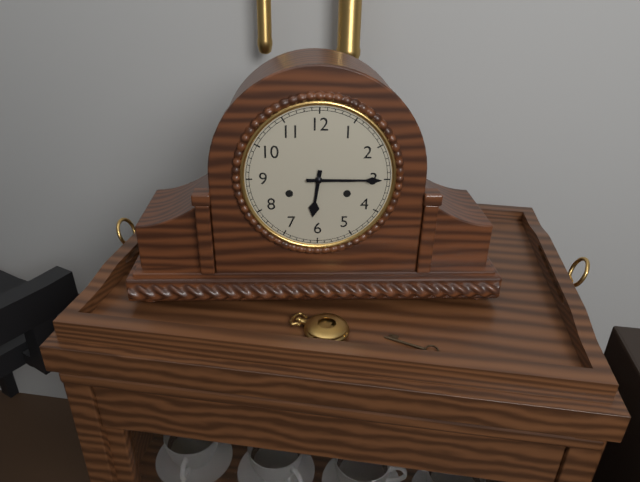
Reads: 6,15
